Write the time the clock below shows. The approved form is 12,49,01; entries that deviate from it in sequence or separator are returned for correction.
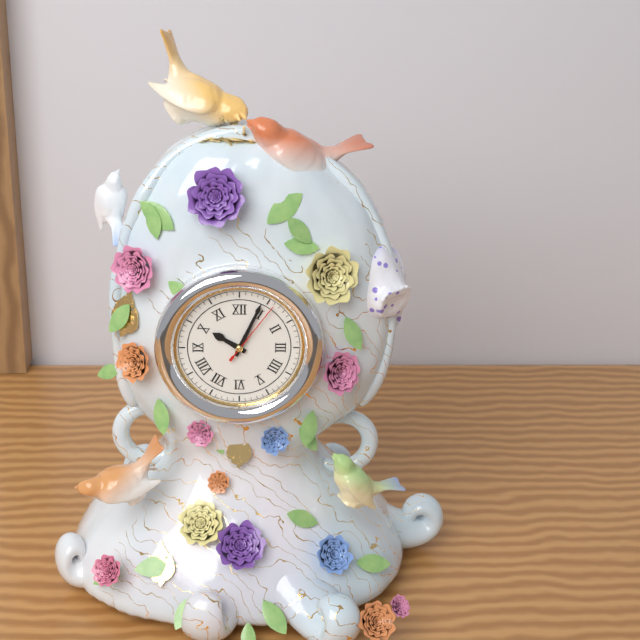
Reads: 10,04,06
